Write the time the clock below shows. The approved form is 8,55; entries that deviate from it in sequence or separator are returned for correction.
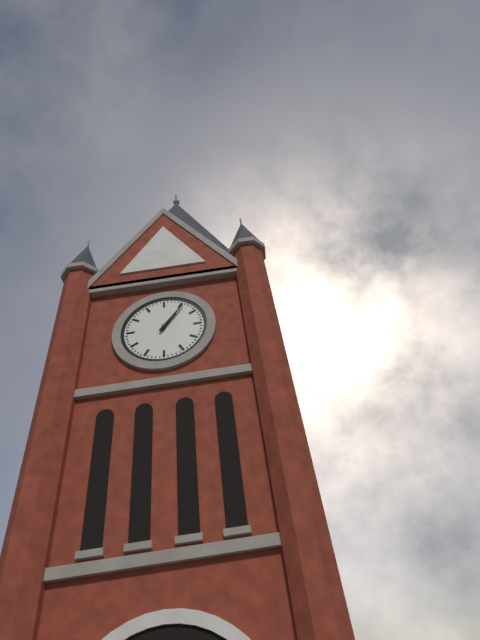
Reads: 1,06
